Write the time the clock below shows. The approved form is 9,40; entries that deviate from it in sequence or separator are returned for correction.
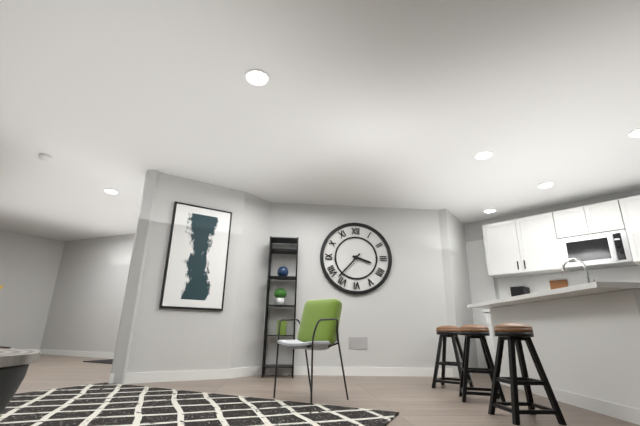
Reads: 3,37
